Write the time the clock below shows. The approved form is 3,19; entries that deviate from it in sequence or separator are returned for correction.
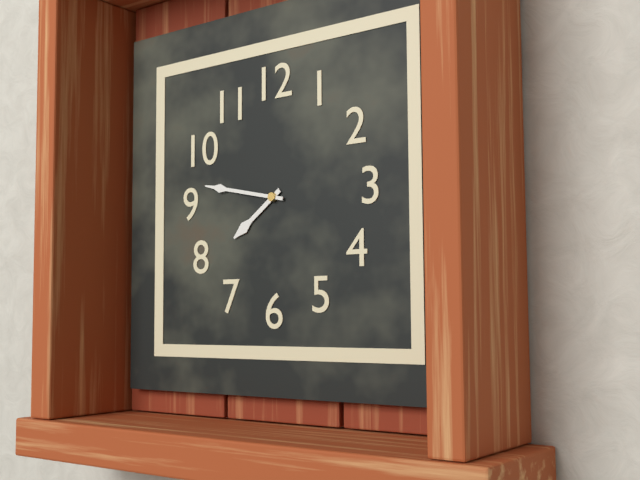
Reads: 7,47
